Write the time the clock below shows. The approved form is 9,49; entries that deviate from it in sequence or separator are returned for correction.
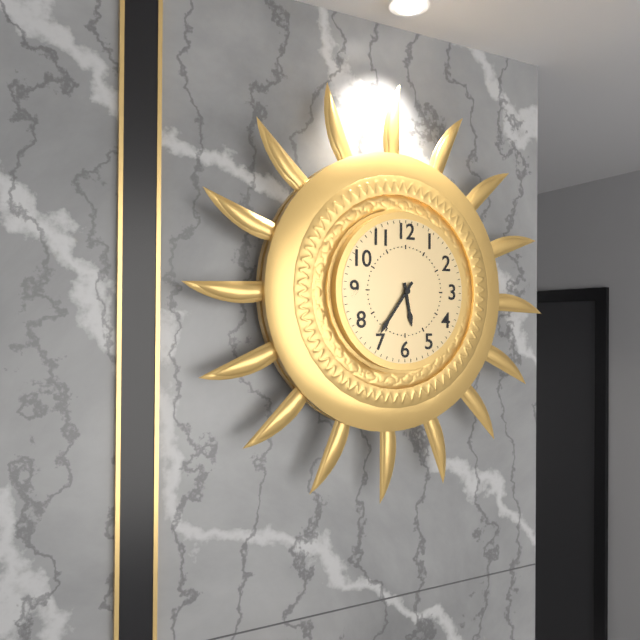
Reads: 5,36
